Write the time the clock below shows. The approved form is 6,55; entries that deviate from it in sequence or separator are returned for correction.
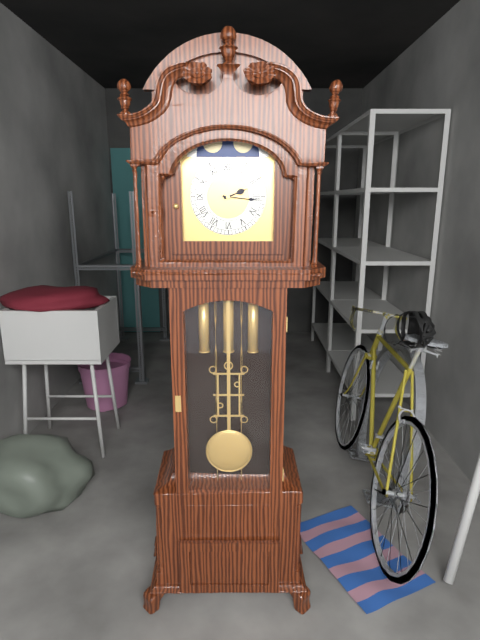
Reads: 2,16
